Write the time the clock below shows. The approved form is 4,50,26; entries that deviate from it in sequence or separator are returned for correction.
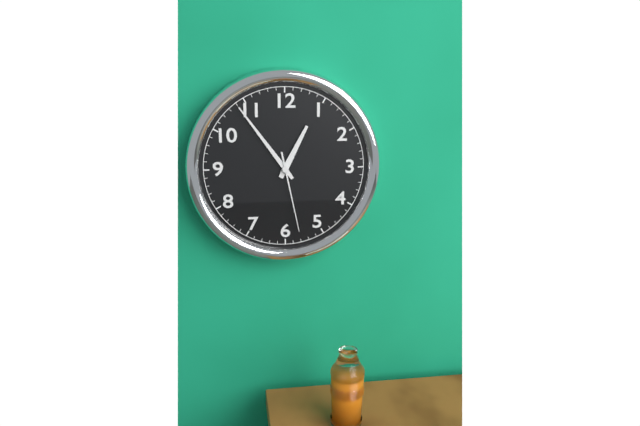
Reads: 12,54,28
